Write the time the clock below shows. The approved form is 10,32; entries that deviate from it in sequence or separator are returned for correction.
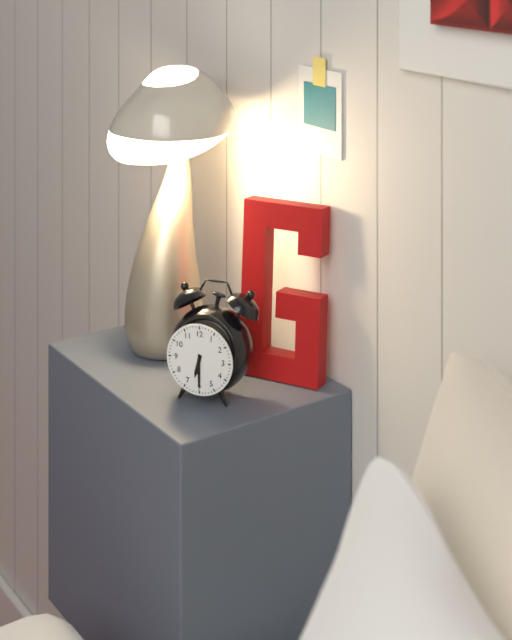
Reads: 6,30
